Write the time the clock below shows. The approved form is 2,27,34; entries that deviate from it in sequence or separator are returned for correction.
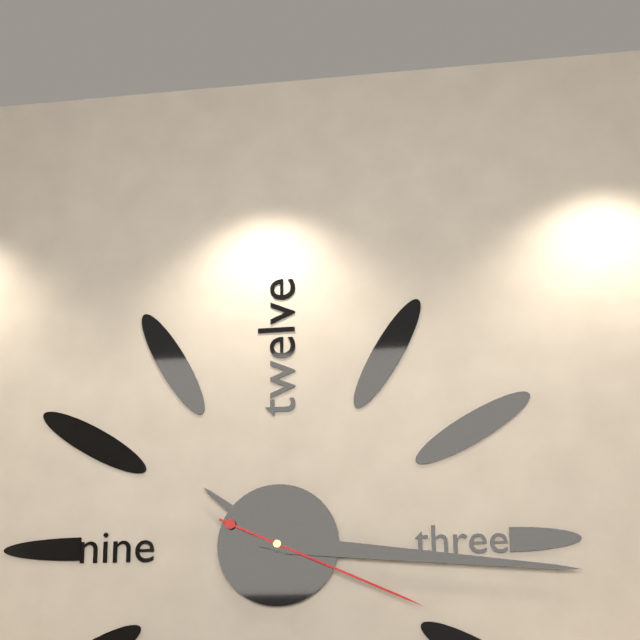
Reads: 10,16,19
